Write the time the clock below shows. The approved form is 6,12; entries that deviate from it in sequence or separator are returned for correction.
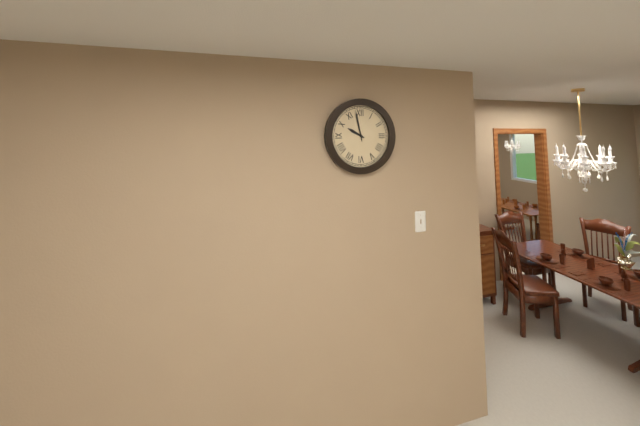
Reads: 9,58
